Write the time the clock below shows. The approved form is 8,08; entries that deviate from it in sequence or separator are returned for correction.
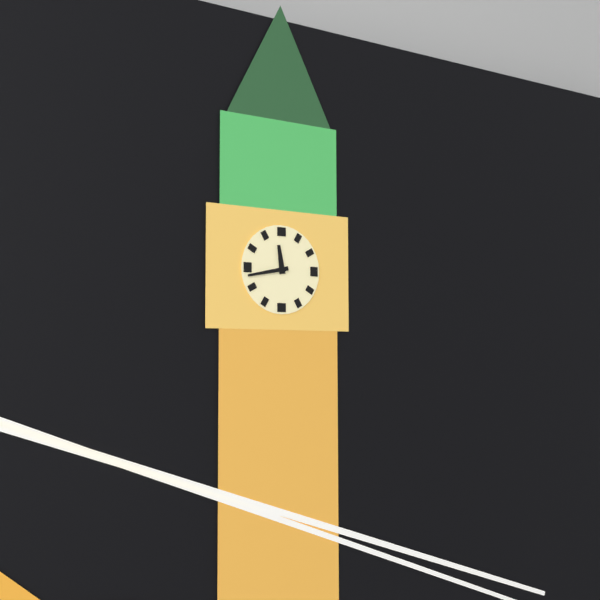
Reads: 11,43
